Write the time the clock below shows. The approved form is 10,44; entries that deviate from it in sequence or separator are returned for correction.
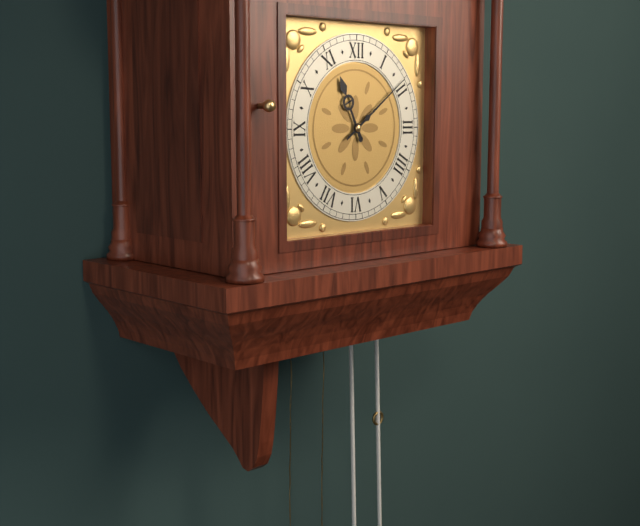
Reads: 11,09
